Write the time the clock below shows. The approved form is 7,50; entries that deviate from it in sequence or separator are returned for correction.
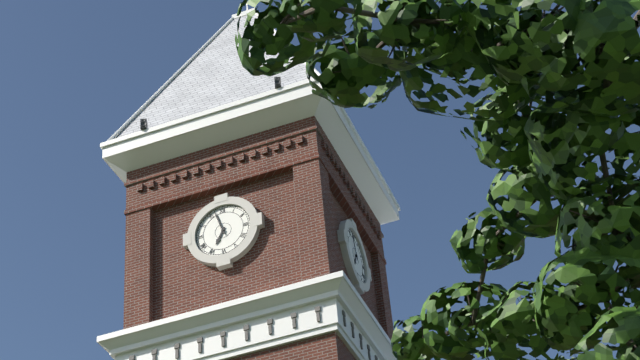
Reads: 6,57
